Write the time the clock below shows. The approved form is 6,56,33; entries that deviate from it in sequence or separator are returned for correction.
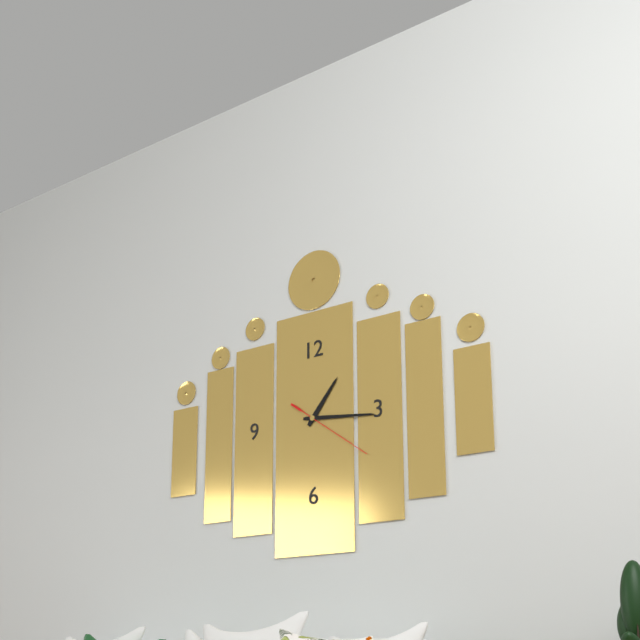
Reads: 1,16,21
